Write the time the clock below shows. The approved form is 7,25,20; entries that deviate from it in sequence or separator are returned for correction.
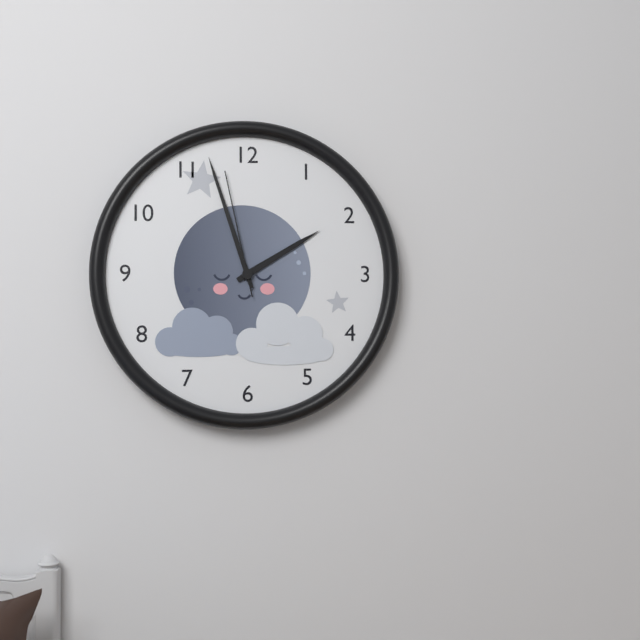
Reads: 1,57,58
